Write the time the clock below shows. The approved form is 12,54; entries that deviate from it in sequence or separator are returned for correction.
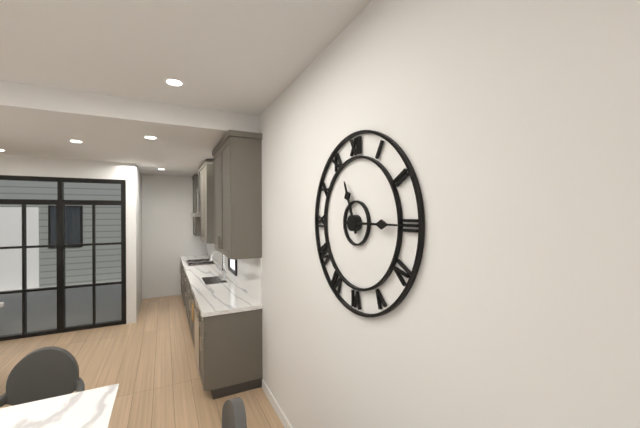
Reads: 11,15
